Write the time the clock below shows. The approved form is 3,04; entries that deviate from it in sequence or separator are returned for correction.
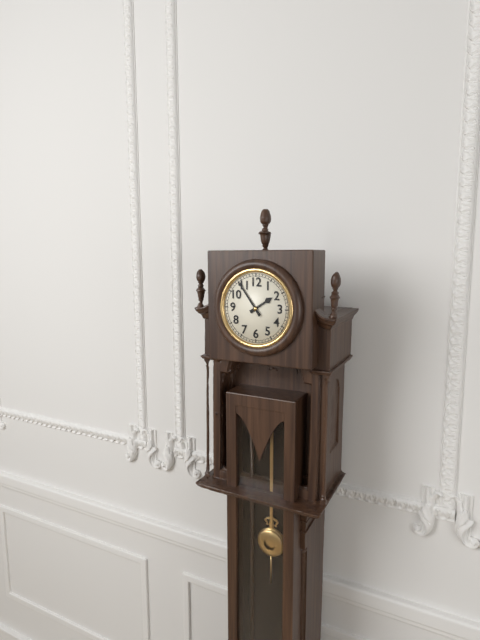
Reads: 1,54
